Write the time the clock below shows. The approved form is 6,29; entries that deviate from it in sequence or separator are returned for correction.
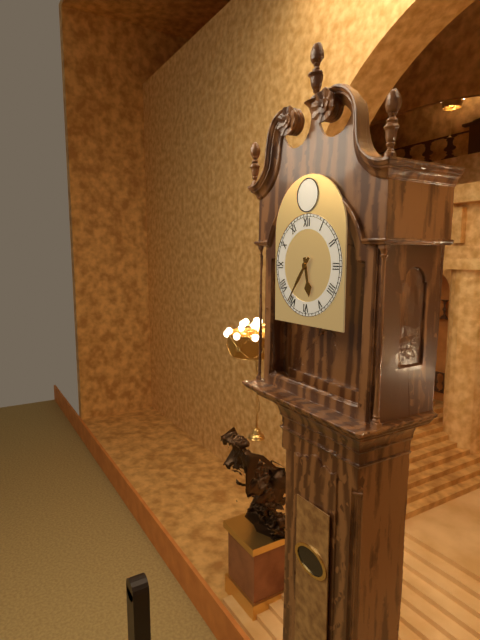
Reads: 5,36
